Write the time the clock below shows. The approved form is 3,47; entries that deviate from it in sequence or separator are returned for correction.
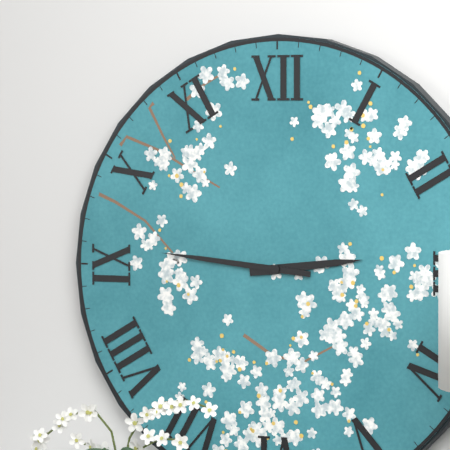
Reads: 2,46
